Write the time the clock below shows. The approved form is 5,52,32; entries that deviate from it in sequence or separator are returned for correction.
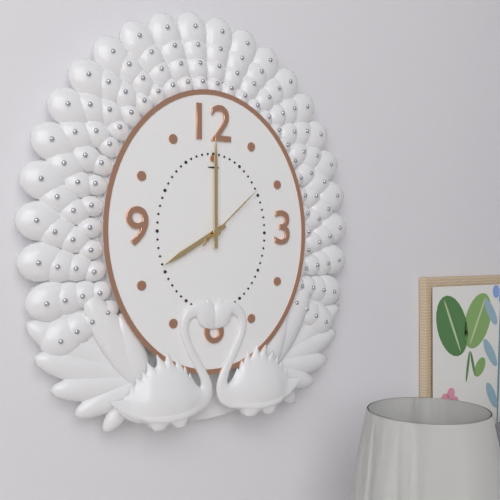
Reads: 8,00,08
